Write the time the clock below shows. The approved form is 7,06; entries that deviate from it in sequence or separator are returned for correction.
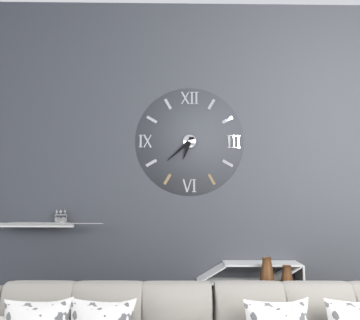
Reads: 6,38
